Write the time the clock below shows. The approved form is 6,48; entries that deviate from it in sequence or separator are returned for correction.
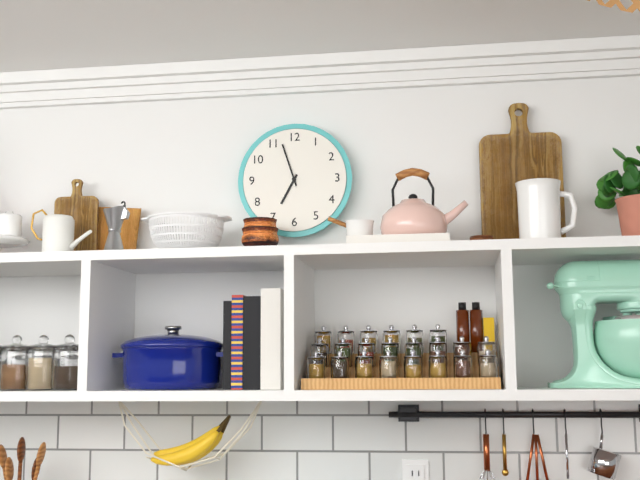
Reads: 6,57
